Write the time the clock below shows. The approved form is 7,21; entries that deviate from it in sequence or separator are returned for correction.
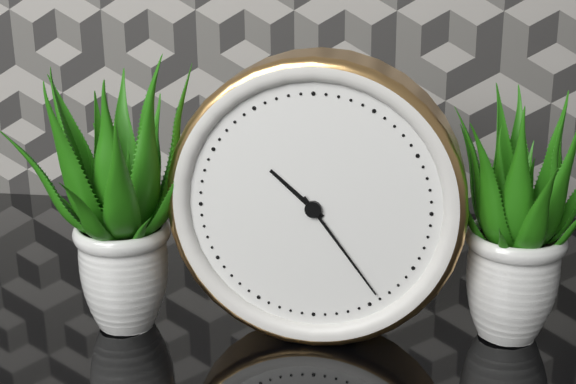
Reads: 10,24
